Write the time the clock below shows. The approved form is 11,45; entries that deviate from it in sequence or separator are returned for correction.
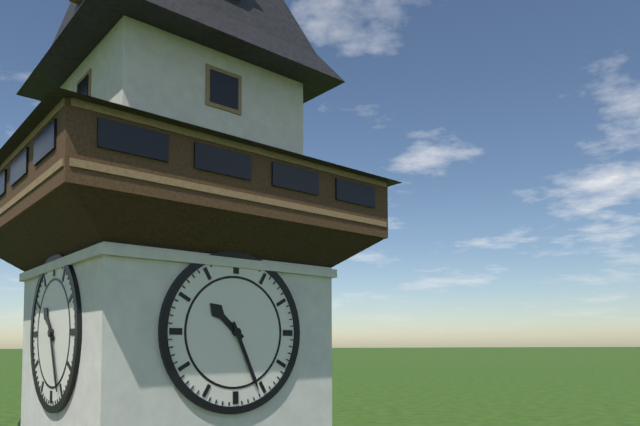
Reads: 10,26
